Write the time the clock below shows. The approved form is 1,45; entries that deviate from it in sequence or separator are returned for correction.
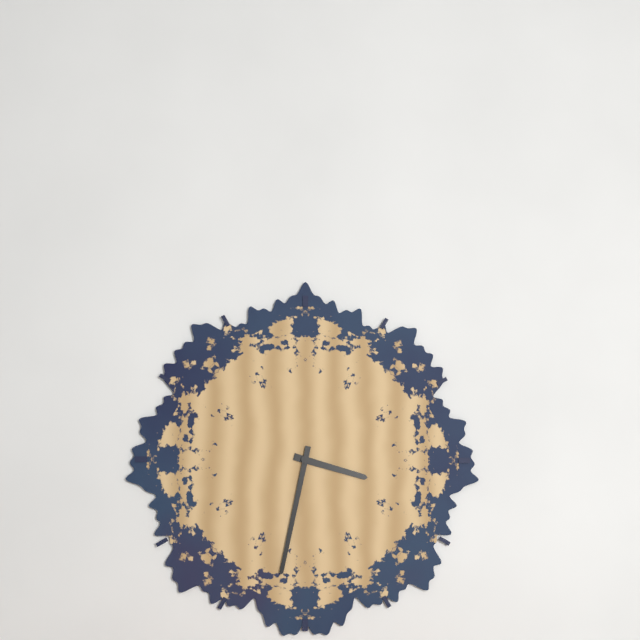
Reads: 3,32
